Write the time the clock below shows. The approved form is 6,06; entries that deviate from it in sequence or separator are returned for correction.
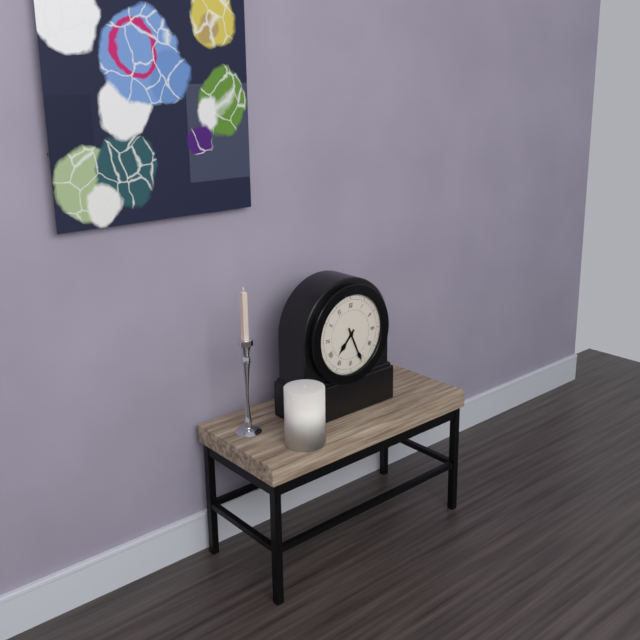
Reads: 7,26
